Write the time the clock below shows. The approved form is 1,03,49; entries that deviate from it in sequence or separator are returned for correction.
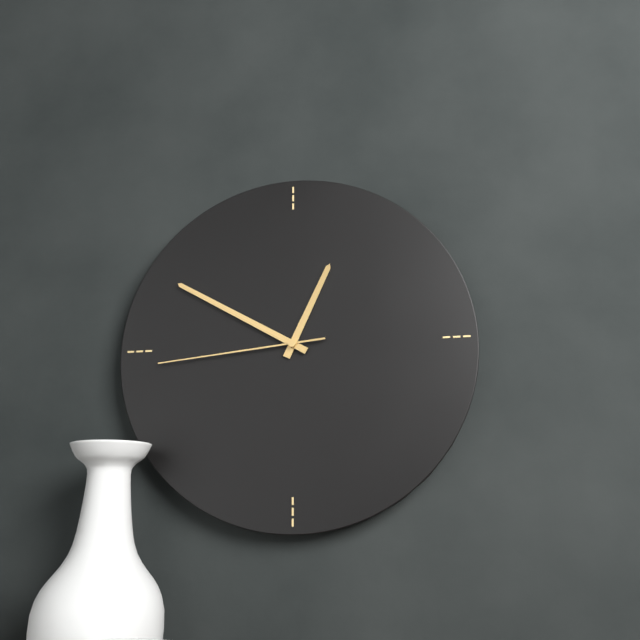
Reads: 12,50,44
